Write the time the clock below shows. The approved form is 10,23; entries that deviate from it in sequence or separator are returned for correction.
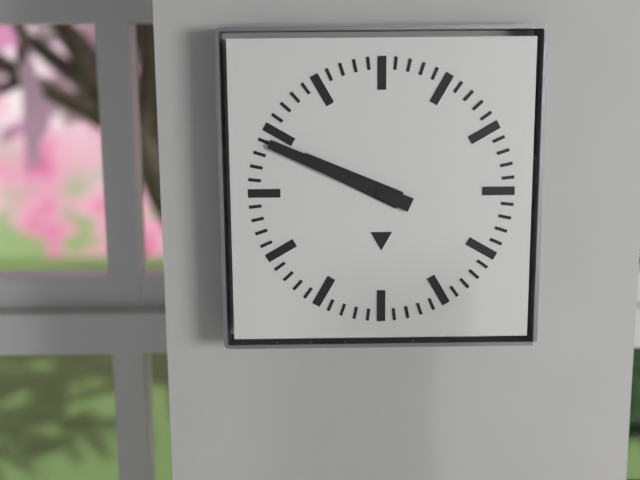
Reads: 9,49
